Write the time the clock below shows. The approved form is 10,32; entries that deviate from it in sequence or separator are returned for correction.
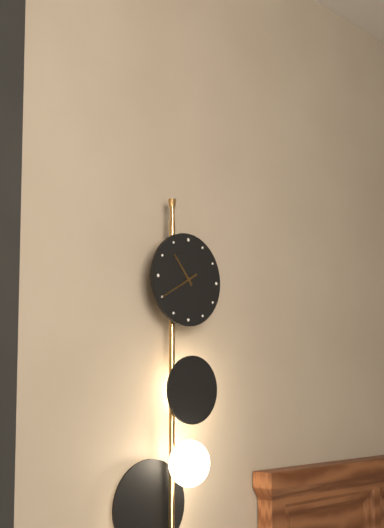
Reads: 10,40
